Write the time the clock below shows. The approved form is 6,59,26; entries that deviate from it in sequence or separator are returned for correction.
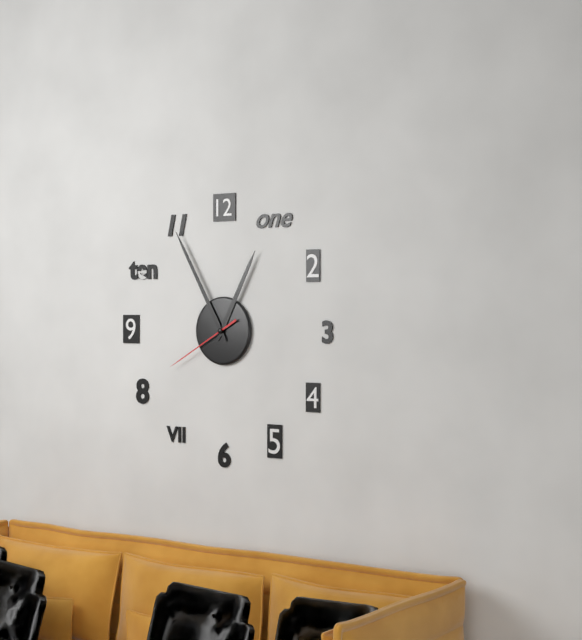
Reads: 12,55,40
